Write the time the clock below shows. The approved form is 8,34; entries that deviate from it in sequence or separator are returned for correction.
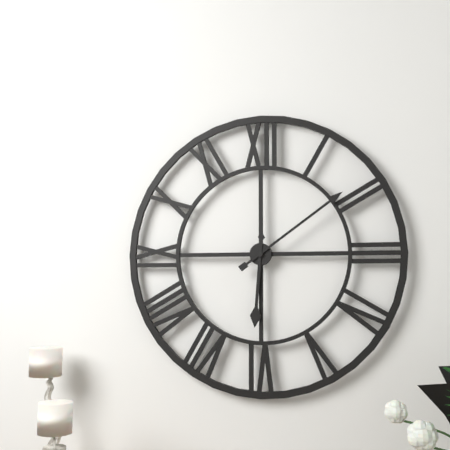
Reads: 6,09
